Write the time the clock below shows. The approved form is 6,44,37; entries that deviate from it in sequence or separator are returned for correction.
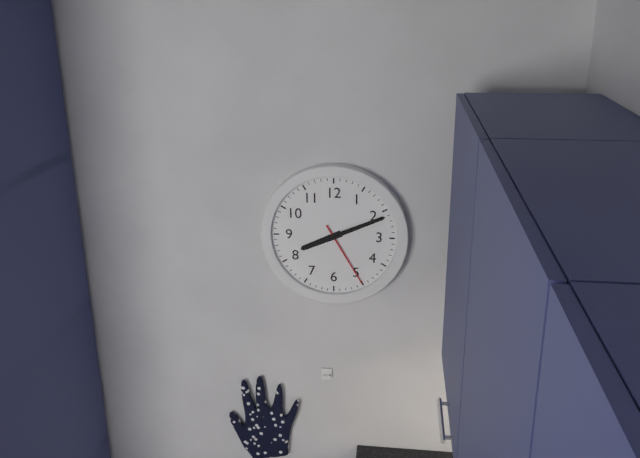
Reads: 8,11,25
